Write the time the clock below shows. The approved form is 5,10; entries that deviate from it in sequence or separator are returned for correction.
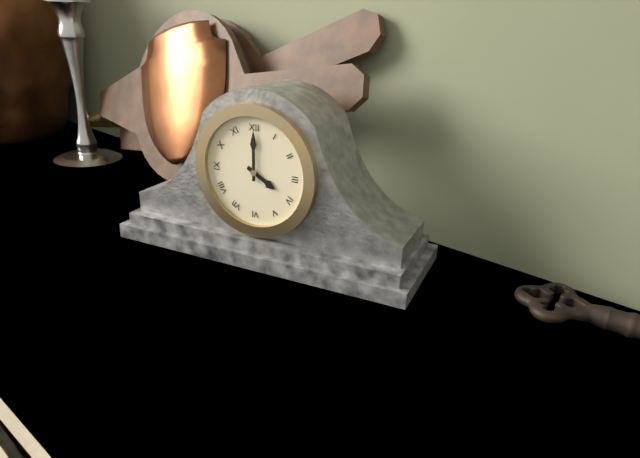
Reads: 4,00
